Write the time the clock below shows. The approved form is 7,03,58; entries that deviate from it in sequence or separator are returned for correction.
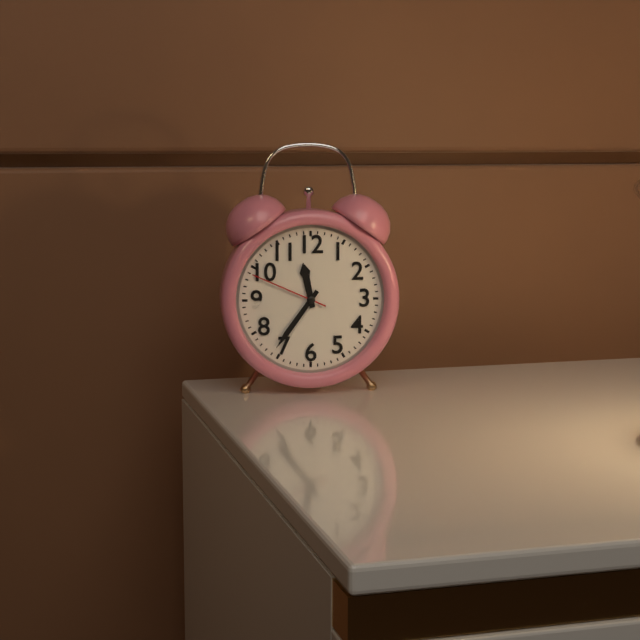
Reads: 11,36,49
